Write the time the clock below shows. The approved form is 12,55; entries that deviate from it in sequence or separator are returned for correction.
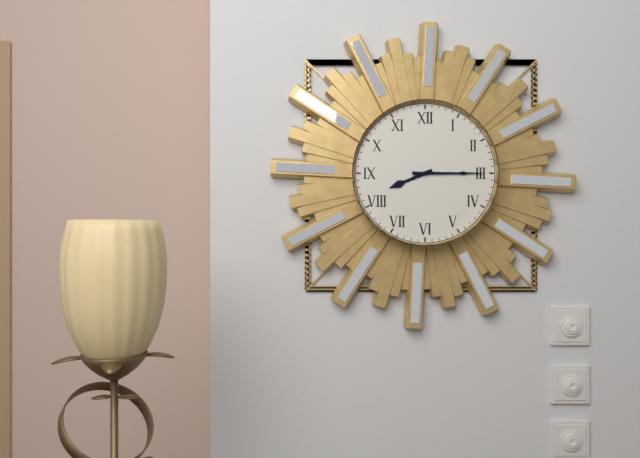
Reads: 8,15
